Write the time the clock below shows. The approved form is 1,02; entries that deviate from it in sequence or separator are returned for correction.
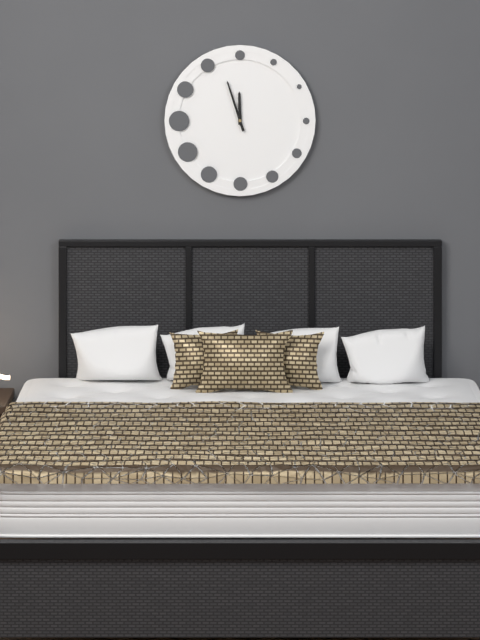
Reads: 11,57
